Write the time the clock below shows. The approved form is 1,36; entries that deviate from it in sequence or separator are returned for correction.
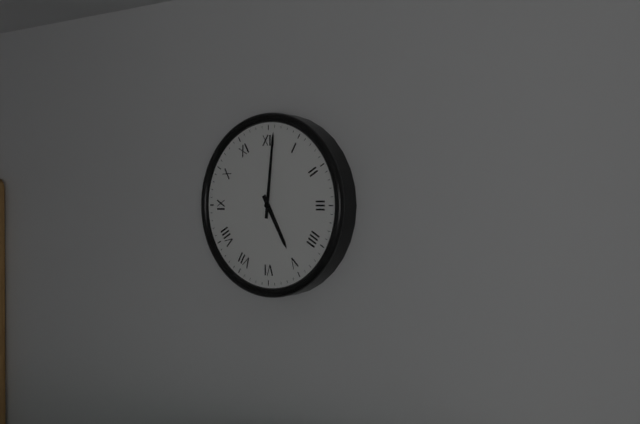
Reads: 5,01
